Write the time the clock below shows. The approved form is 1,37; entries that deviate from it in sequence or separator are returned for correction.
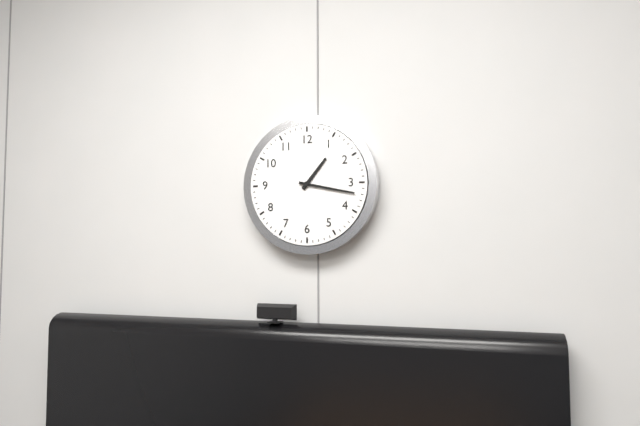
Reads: 1,17
